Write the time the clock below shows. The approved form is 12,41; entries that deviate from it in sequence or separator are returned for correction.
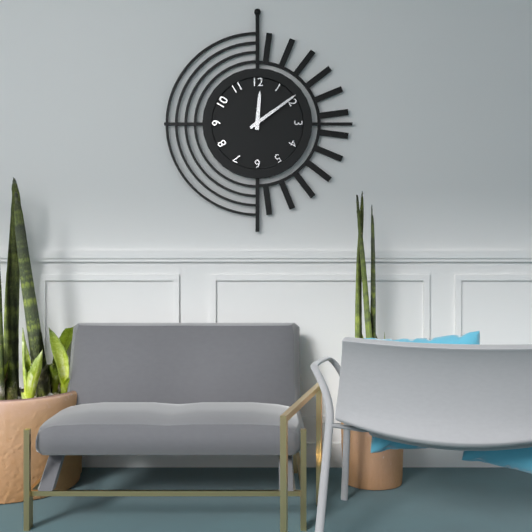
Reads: 12,09
